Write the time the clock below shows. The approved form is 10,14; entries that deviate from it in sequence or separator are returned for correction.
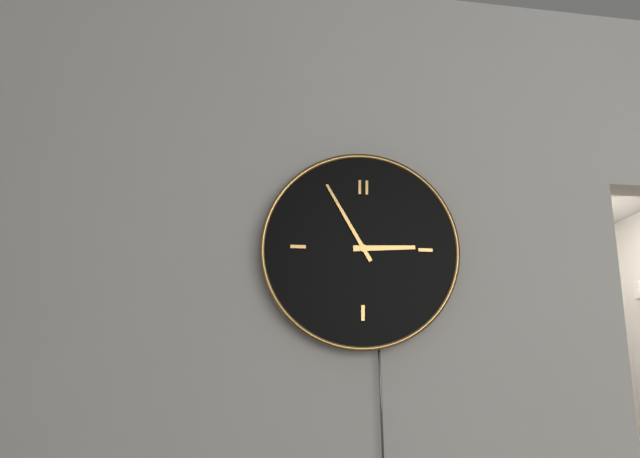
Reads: 2,55
